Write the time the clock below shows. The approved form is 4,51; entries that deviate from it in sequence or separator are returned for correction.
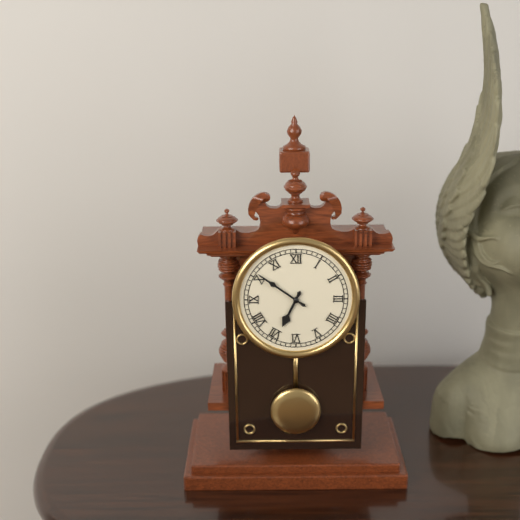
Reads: 6,51
